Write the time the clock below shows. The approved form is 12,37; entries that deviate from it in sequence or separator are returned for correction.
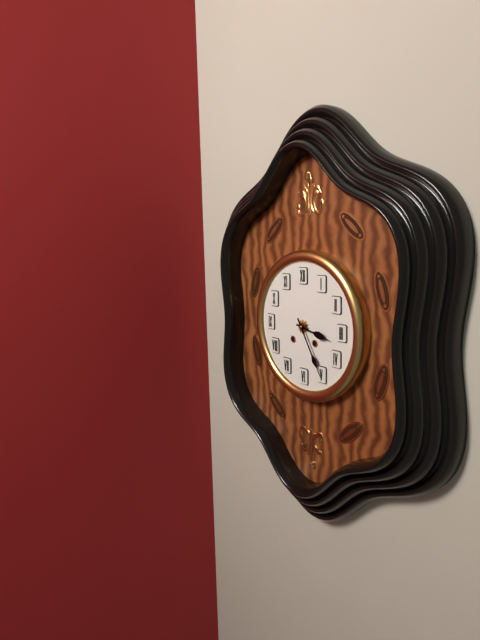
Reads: 3,25
